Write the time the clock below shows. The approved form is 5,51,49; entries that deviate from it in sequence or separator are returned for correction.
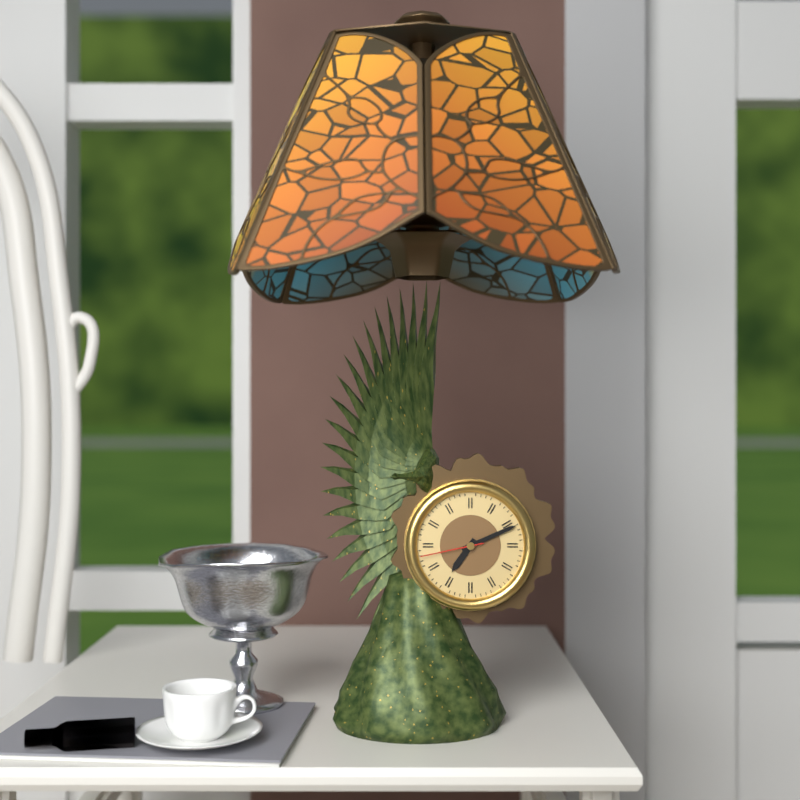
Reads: 7,11,43
